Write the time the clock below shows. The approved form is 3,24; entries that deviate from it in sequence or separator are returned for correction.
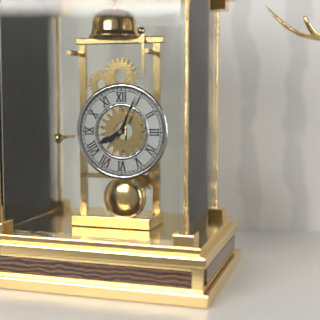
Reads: 8,04
